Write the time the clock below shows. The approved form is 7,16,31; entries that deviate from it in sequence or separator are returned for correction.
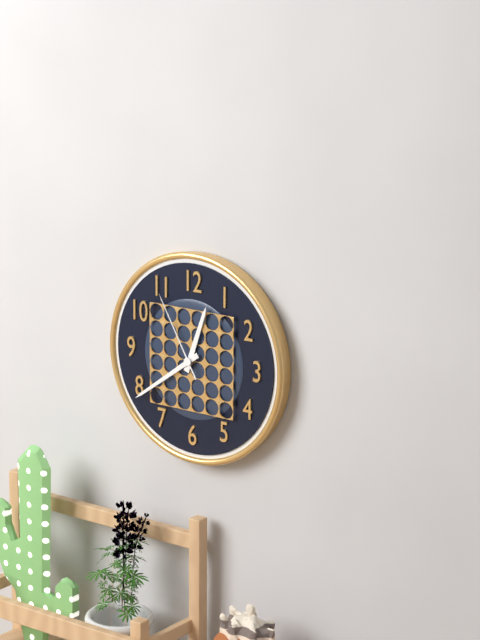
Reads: 12,39,55
